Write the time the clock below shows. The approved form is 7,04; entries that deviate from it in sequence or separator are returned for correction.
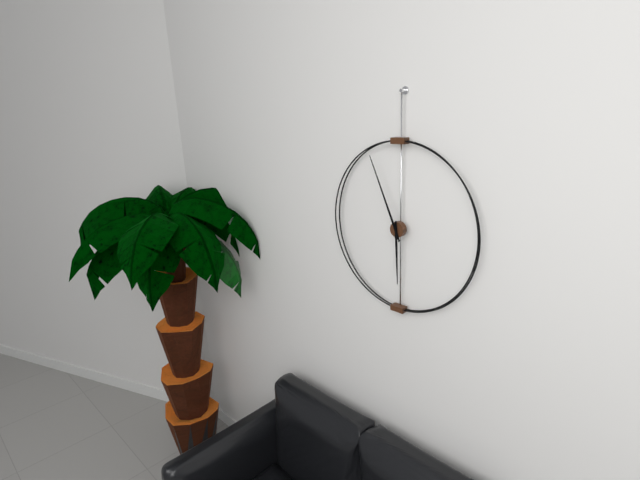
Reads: 5,56
